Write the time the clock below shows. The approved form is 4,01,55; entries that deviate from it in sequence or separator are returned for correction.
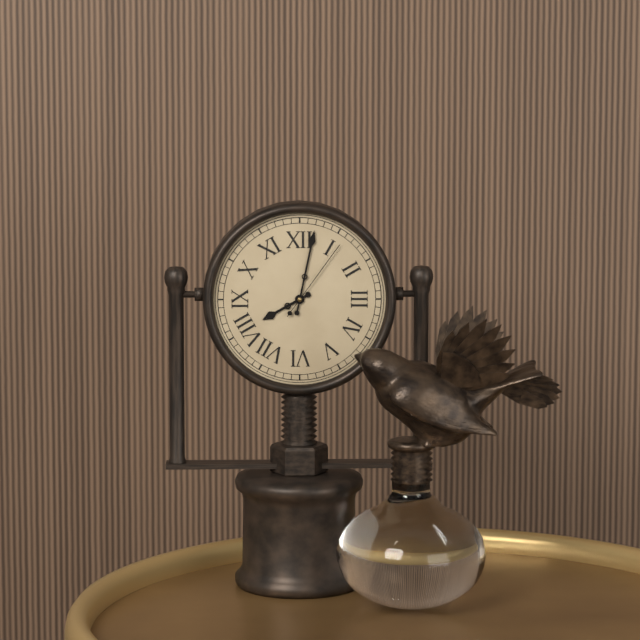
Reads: 8,02,06
